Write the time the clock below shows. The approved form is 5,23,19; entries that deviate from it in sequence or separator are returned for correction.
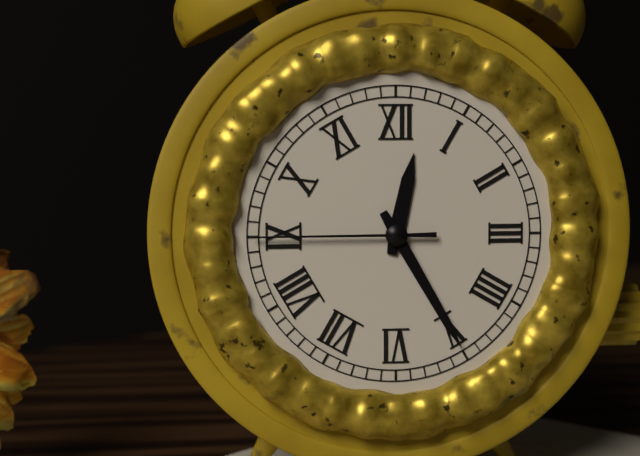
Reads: 12,25,45
